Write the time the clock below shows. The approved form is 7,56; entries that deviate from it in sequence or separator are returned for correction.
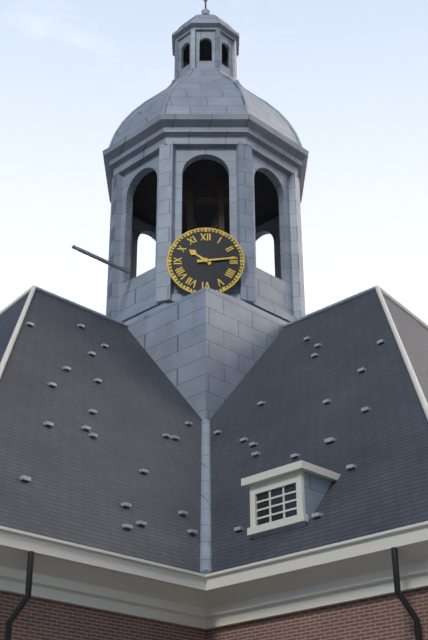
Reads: 10,14
